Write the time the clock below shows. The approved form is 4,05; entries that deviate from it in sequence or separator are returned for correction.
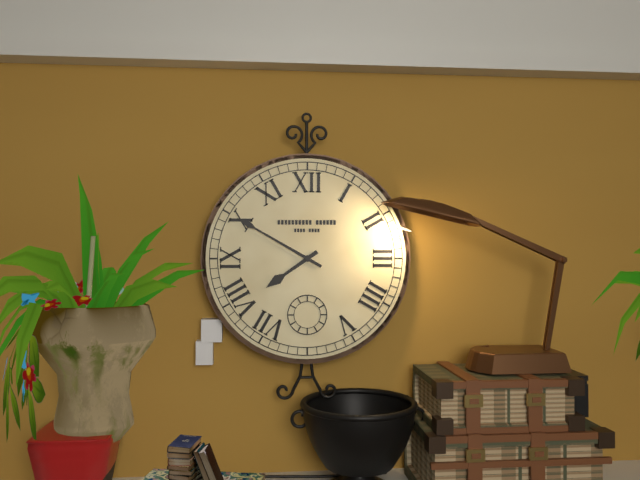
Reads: 7,50
